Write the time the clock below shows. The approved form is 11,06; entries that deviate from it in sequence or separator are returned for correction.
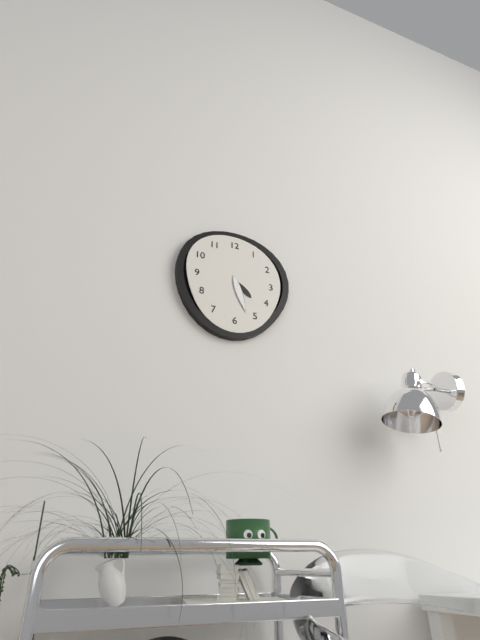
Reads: 4,27
